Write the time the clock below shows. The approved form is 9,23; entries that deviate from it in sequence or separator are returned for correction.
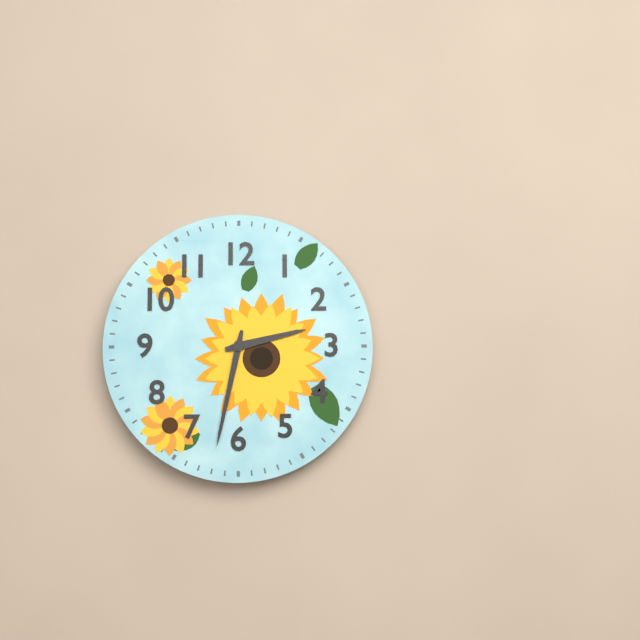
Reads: 2,32
